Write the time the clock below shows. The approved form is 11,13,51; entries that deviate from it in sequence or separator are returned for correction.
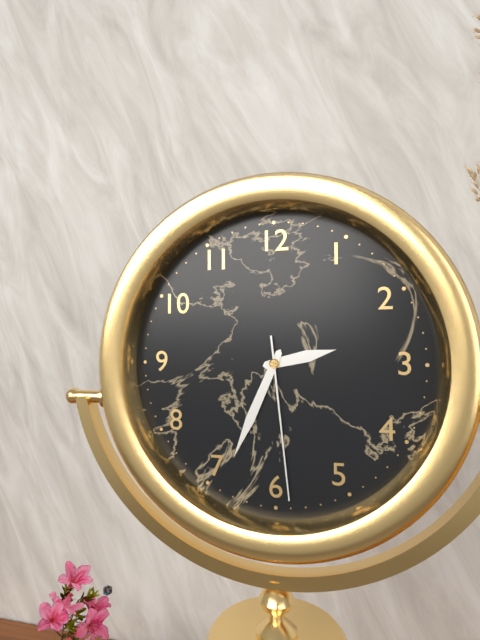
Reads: 2,34,29
